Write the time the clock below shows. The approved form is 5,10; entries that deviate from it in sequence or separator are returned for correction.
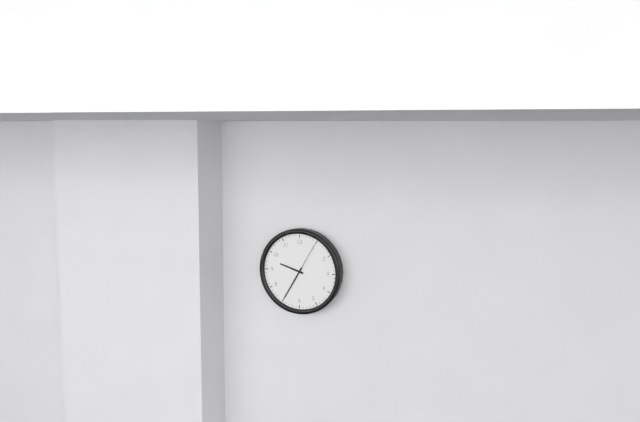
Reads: 9,35
